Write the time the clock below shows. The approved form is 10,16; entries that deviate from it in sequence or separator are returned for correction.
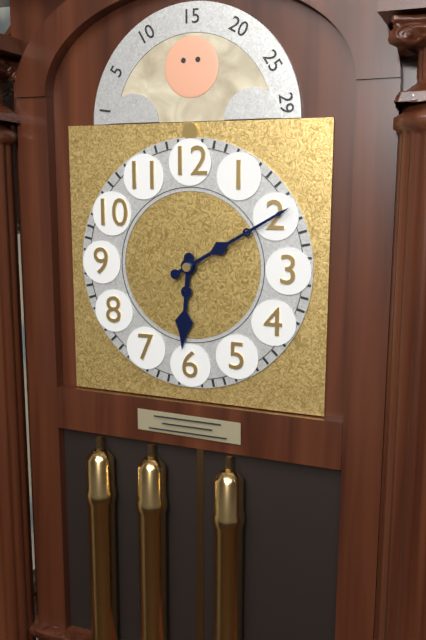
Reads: 6,10
